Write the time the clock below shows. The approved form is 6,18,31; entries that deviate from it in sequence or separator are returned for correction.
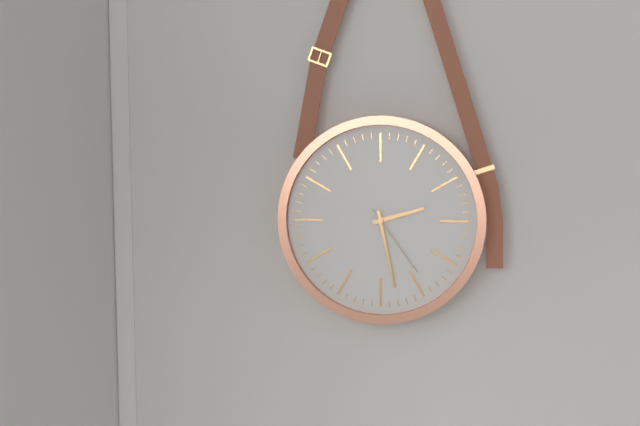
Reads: 2,28,24
